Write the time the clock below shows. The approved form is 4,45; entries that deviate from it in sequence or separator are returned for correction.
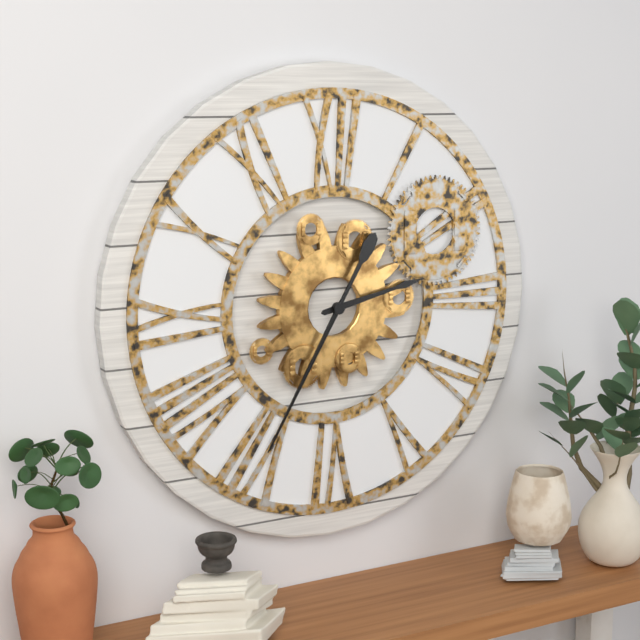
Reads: 2,35
